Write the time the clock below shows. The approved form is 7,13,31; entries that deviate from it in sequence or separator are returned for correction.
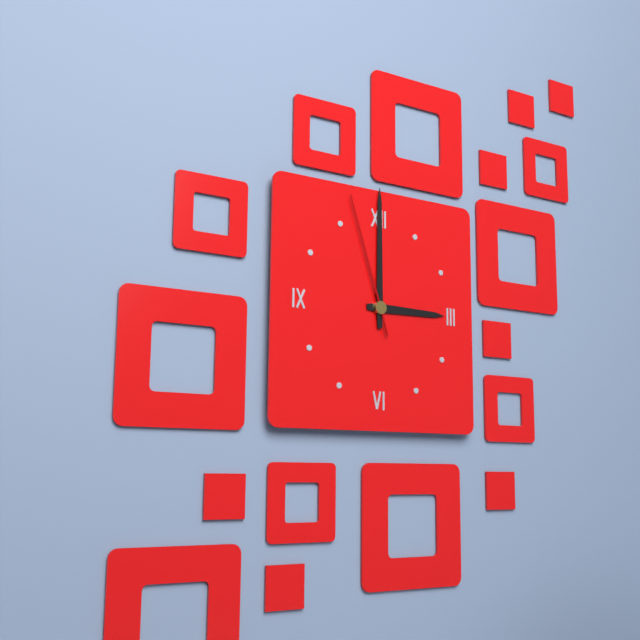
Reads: 3,00,57
